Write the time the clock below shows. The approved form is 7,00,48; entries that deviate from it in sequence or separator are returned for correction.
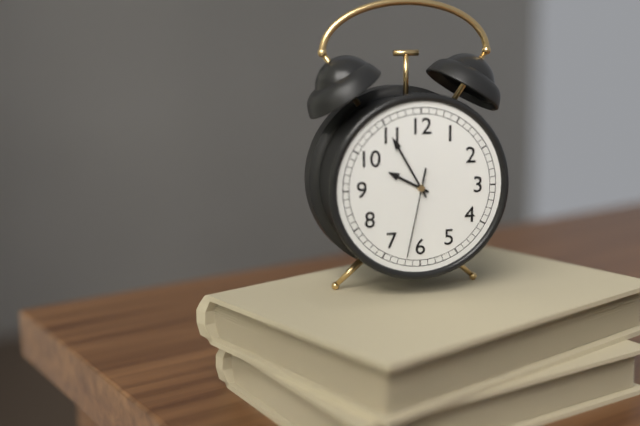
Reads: 9,55,32
